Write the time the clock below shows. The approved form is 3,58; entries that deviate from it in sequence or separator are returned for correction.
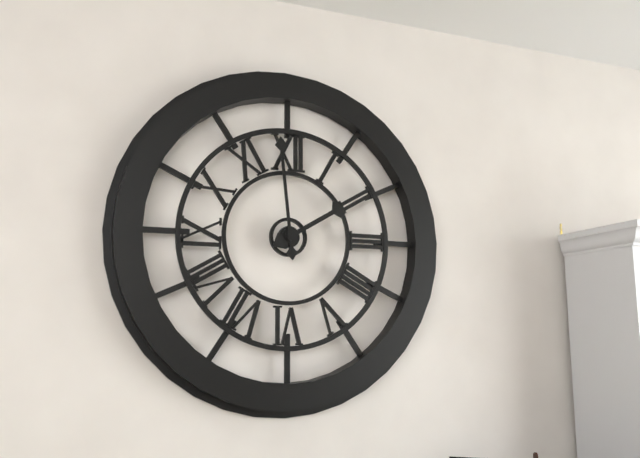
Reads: 1,59
